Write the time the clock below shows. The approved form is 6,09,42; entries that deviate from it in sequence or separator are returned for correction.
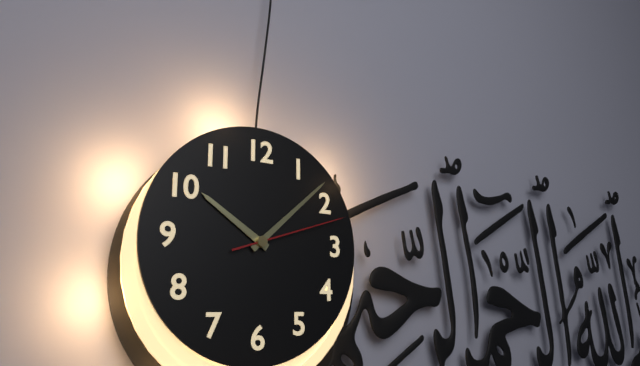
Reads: 10,08,12
